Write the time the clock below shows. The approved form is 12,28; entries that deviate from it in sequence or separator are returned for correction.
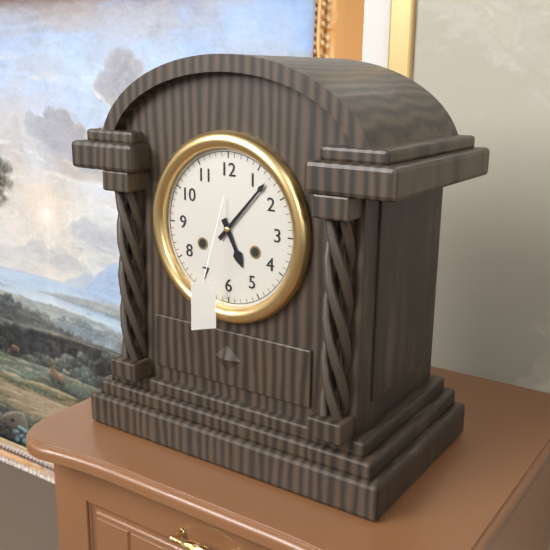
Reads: 5,07
